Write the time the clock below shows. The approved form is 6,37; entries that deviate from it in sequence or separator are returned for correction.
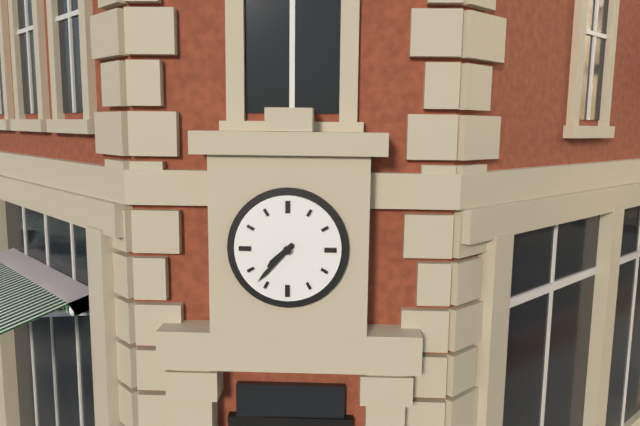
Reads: 7,37
